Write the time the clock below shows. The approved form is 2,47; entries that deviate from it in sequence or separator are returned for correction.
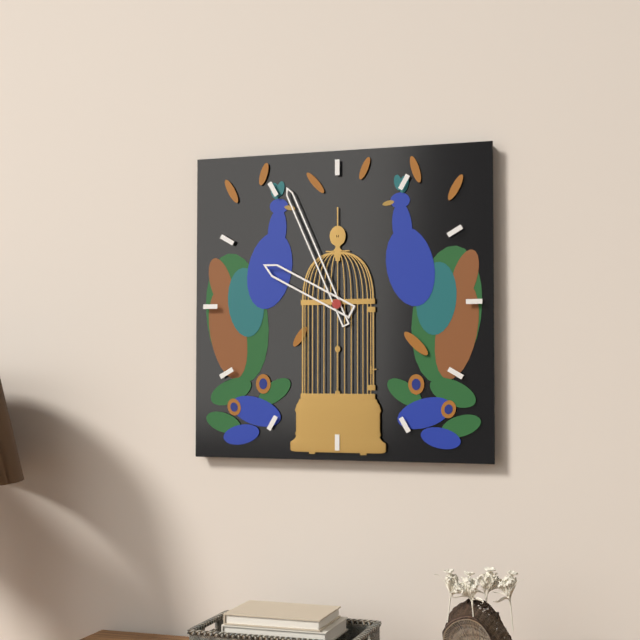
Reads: 9,56
